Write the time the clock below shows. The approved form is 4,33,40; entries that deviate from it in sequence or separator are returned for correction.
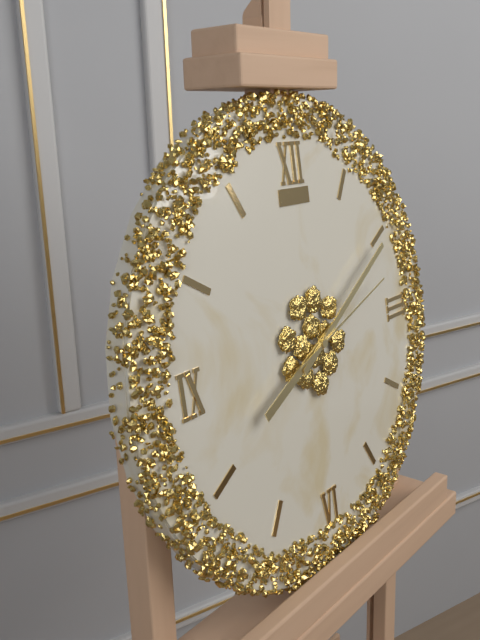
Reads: 8,10,12
